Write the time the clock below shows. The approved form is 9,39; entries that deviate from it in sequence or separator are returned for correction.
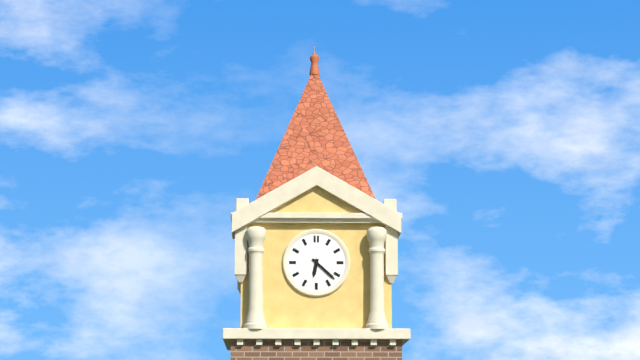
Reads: 6,22
